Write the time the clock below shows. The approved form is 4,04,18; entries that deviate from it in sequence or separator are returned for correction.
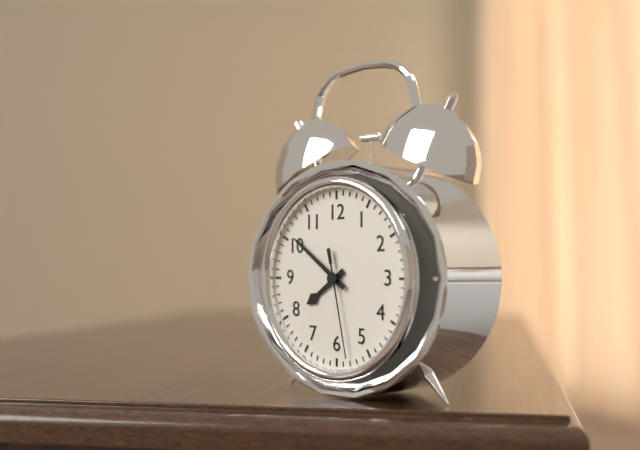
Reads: 7,51,28
